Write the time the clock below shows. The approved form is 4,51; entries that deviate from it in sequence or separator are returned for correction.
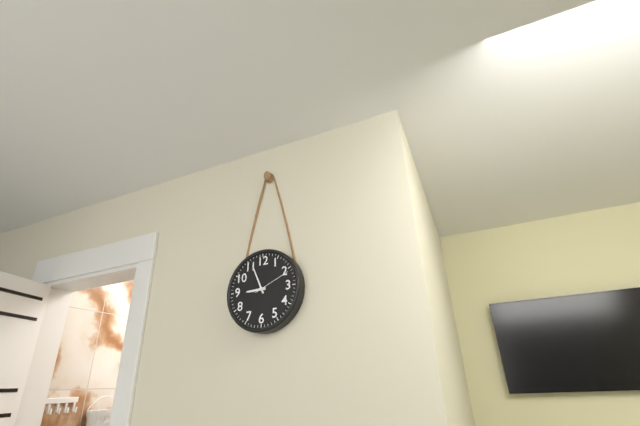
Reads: 8,56
